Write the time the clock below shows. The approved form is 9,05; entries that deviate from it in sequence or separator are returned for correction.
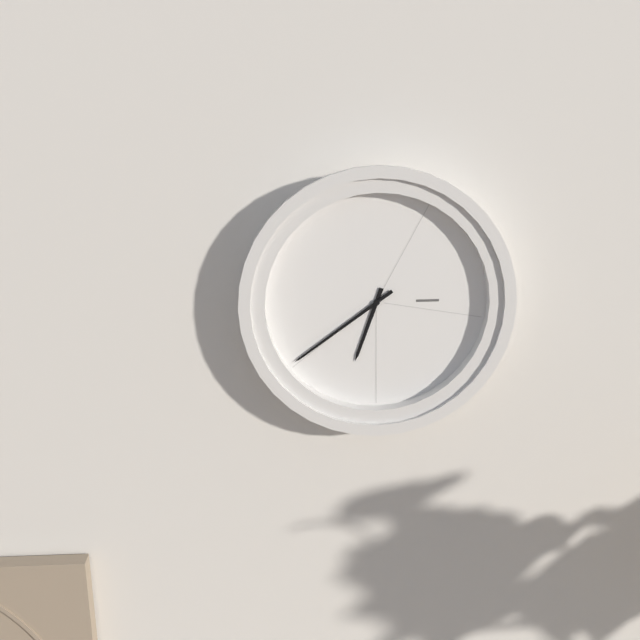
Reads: 6,39
